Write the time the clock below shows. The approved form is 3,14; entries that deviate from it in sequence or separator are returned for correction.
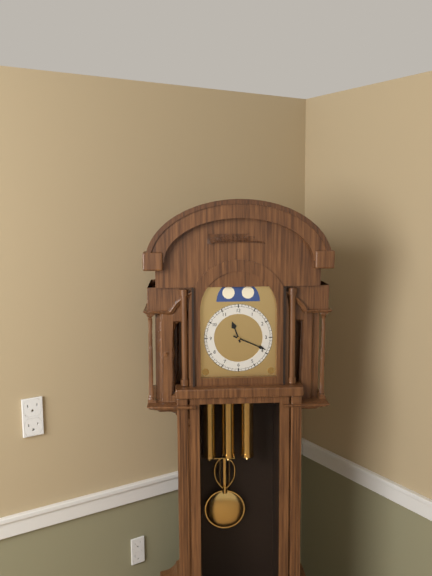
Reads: 11,19
